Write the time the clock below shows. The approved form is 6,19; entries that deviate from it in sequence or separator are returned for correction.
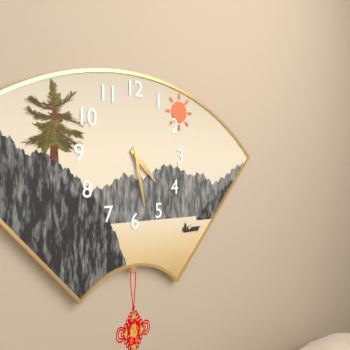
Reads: 4,28
